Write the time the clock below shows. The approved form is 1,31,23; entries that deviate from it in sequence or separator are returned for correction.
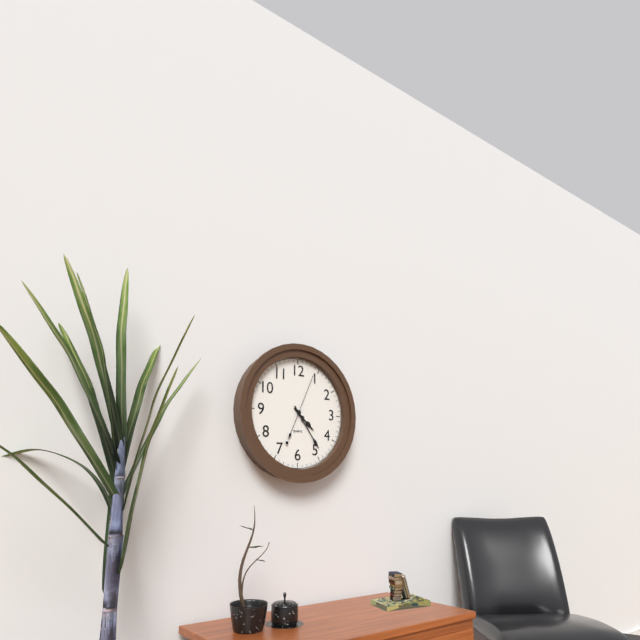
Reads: 4,24,04
